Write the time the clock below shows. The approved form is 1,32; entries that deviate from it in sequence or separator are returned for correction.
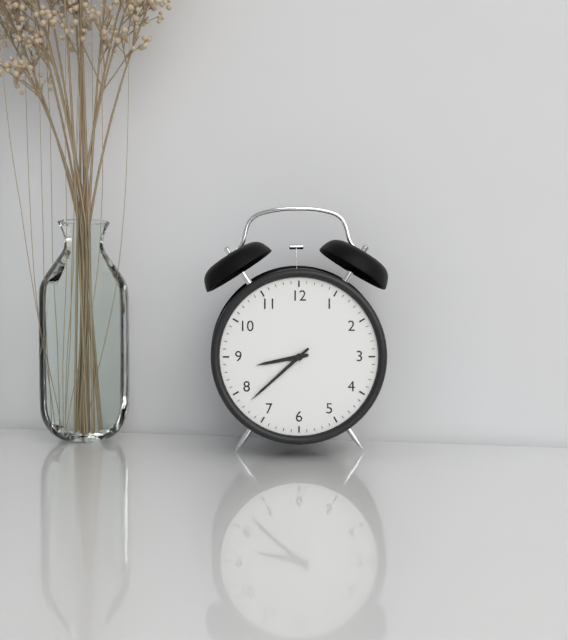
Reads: 8,38
